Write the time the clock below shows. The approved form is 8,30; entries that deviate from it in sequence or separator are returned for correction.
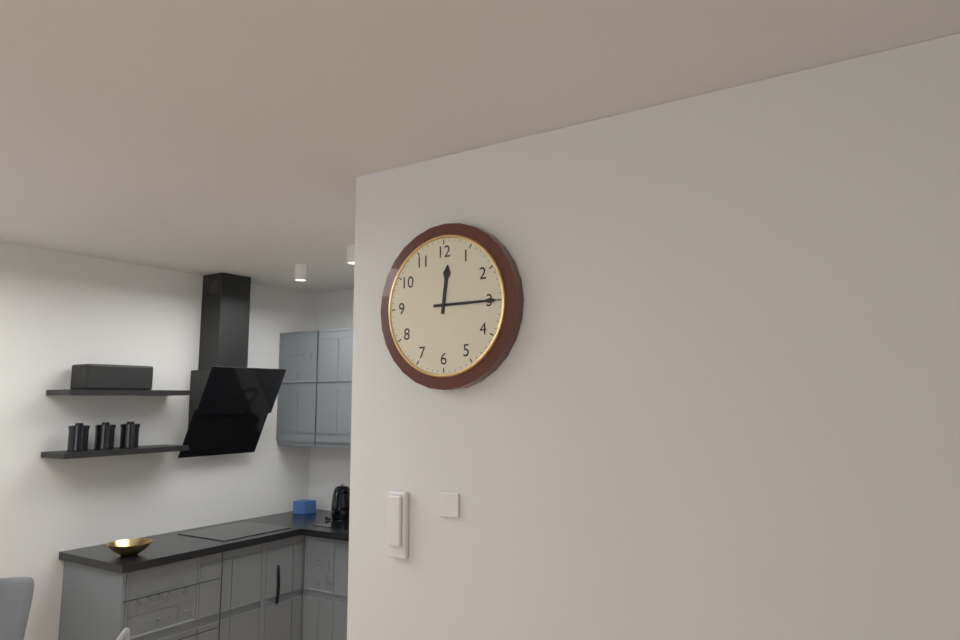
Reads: 12,15
